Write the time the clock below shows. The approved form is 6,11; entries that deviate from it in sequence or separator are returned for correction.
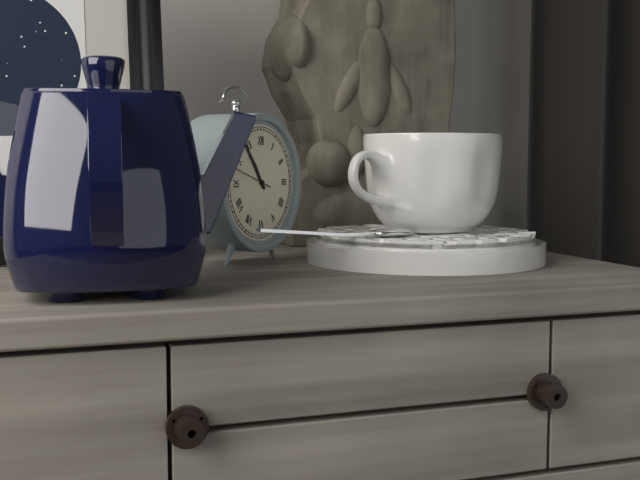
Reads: 10,54
